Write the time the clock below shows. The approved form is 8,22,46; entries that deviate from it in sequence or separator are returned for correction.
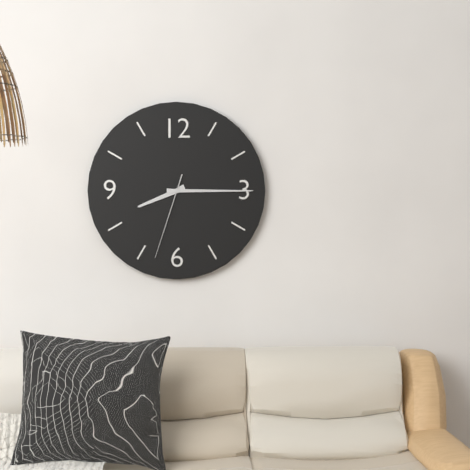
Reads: 8,15,33
